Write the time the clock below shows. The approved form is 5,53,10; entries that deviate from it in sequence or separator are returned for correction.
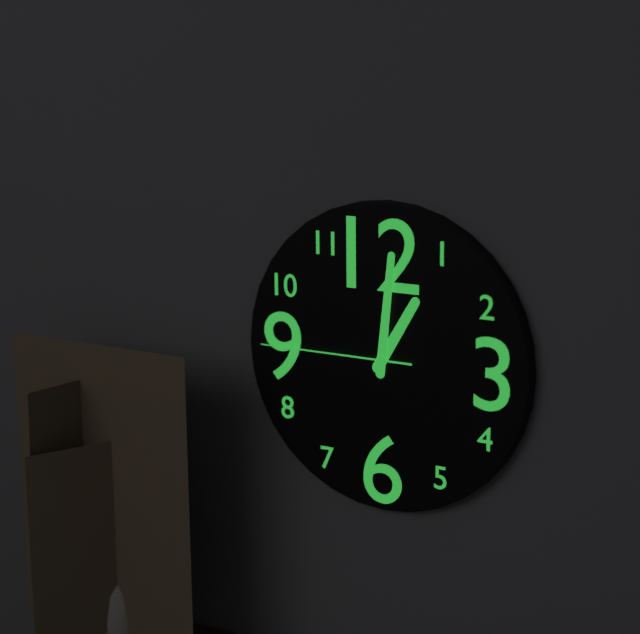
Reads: 1,01,45
